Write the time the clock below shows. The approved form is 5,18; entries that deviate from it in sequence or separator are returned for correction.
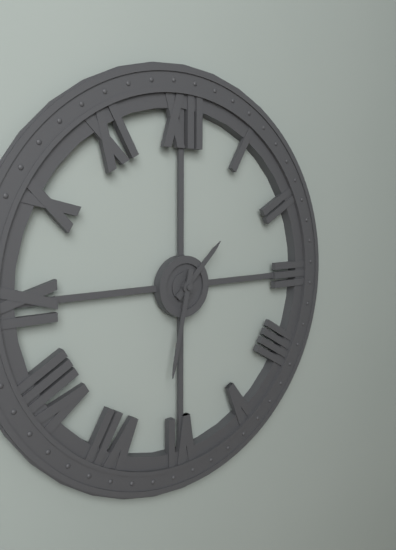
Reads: 1,32
